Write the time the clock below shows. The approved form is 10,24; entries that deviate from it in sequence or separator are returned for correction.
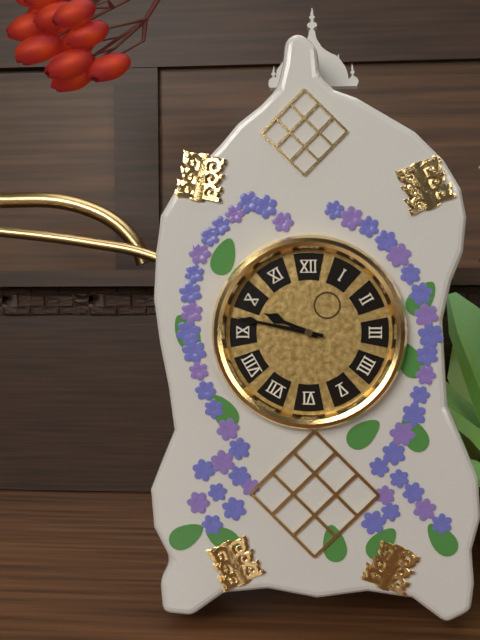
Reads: 9,47
